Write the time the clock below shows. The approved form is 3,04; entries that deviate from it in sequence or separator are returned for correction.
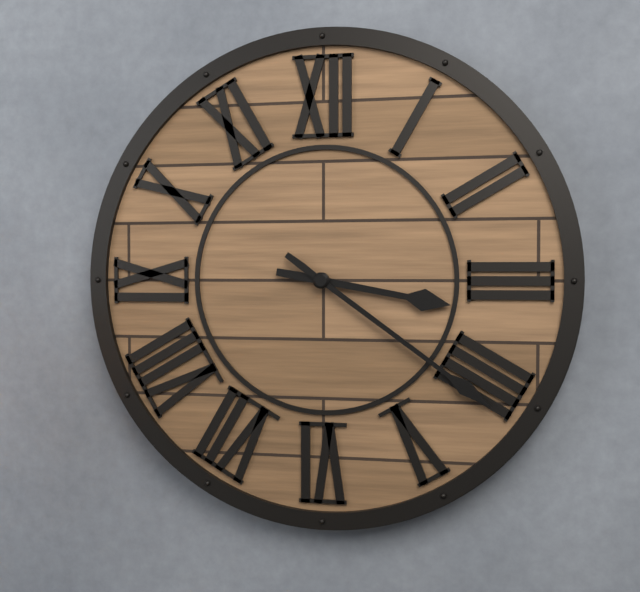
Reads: 3,21
